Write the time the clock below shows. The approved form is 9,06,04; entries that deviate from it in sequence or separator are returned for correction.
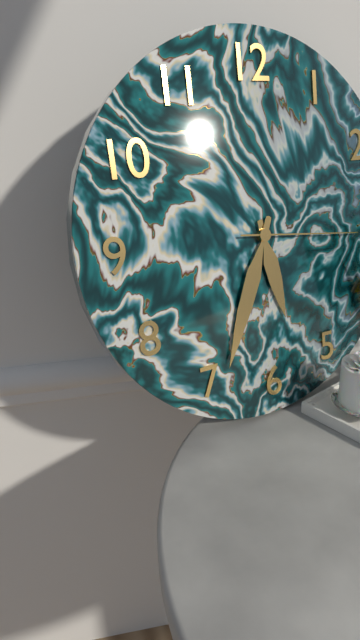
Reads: 5,34,16
